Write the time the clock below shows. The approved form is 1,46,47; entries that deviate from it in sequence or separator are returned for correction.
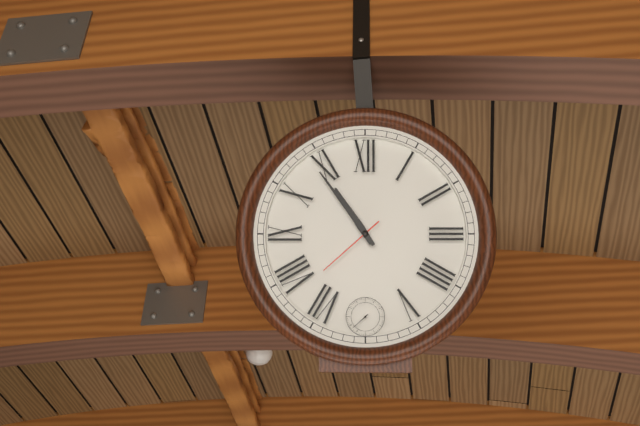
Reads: 10,54,38
